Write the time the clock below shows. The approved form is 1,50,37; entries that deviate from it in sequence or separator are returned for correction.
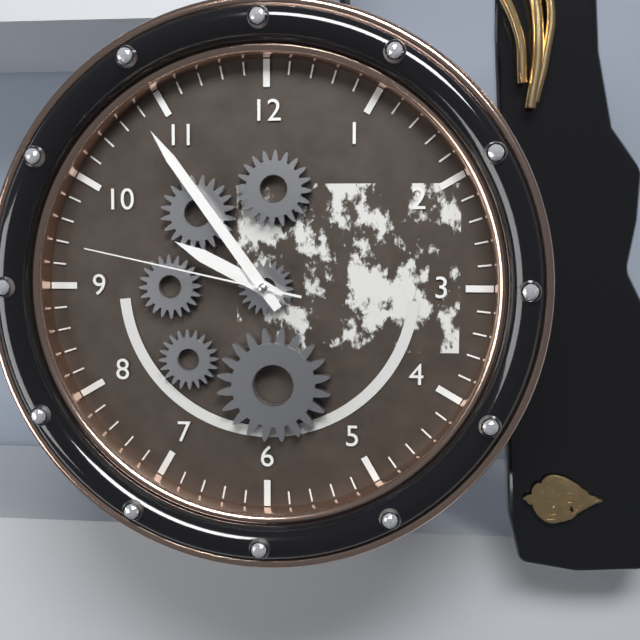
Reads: 9,54,47
